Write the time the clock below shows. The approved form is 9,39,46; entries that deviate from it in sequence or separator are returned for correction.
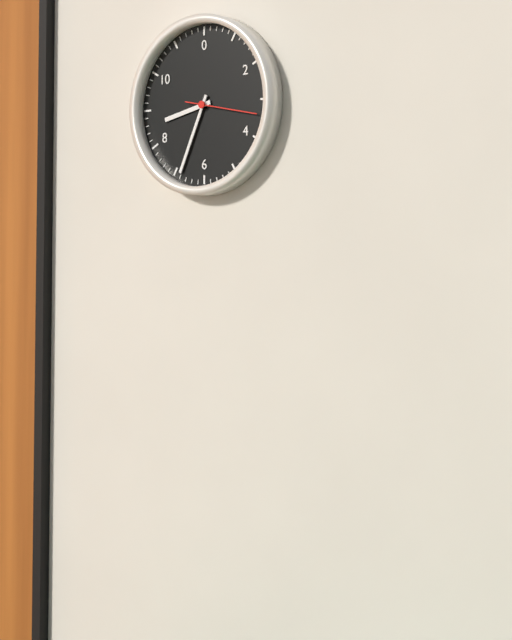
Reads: 8,34,17
